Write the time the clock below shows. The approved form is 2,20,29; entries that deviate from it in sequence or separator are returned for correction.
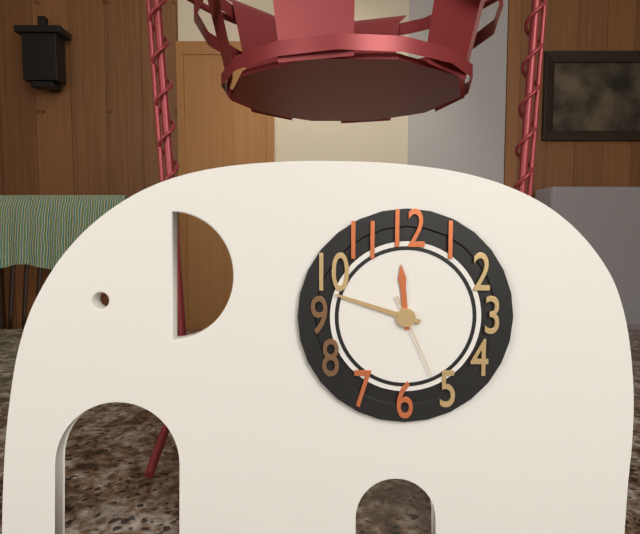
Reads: 11,48,26
